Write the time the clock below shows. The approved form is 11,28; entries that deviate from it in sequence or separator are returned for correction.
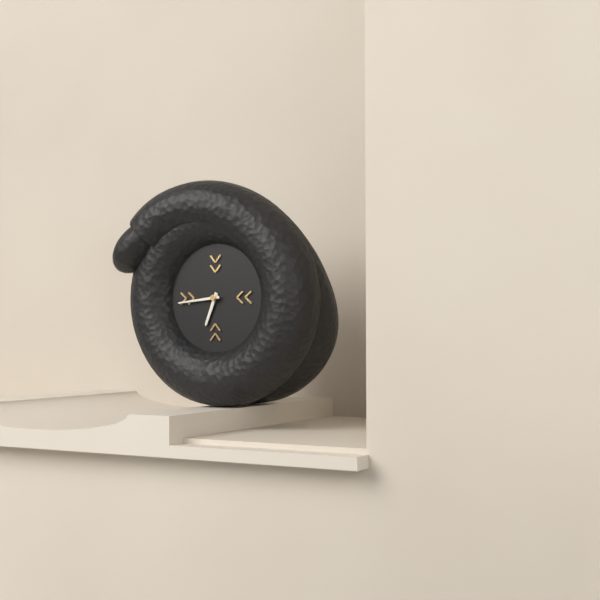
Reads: 6,44
